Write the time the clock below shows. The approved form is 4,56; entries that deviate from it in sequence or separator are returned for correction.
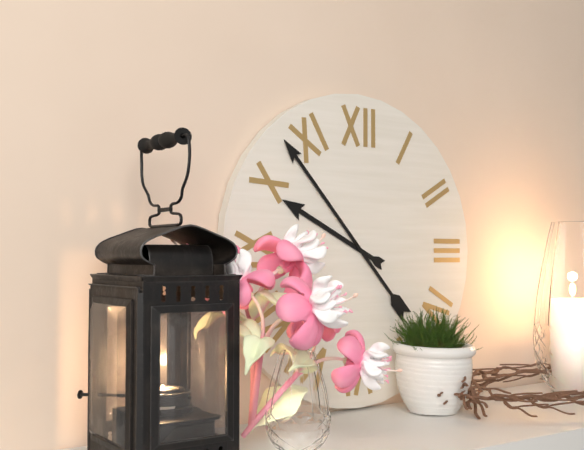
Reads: 9,53
